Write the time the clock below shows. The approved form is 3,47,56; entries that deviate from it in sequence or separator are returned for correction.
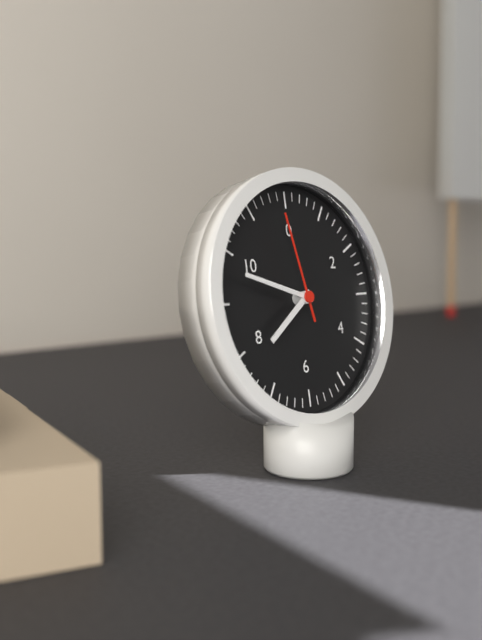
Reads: 7,48,58
